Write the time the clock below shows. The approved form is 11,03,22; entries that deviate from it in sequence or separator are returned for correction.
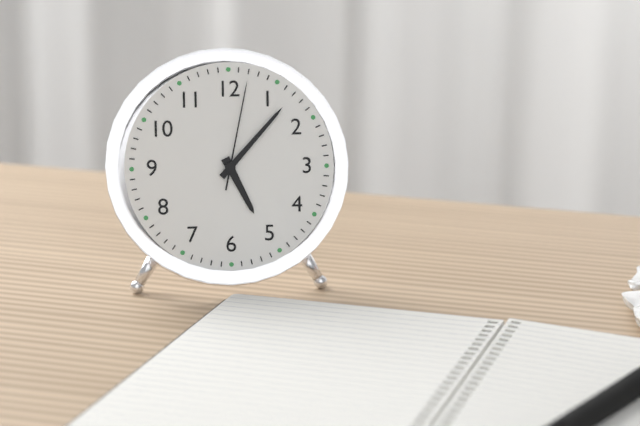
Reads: 5,07,02
